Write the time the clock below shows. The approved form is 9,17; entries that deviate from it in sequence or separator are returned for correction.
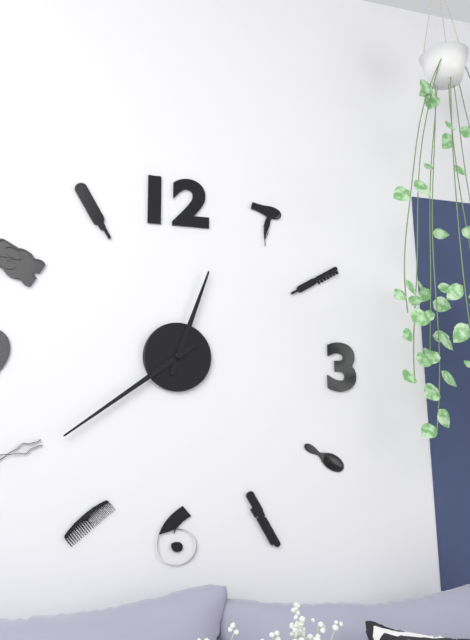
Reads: 12,39
